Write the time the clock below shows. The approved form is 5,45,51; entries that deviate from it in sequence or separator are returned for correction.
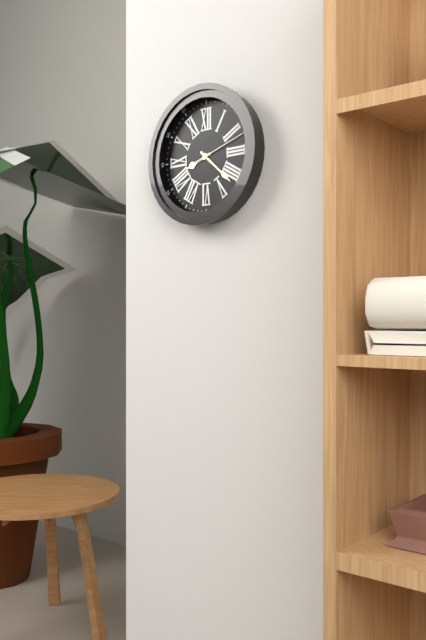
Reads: 8,22,12
